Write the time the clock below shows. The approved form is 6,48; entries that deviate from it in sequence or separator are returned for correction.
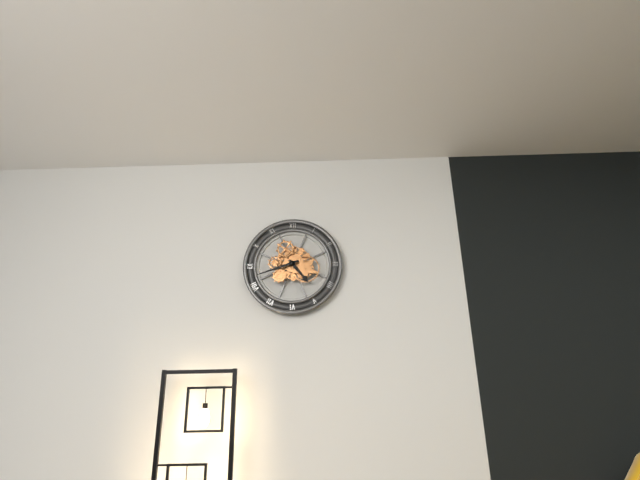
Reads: 4,42
